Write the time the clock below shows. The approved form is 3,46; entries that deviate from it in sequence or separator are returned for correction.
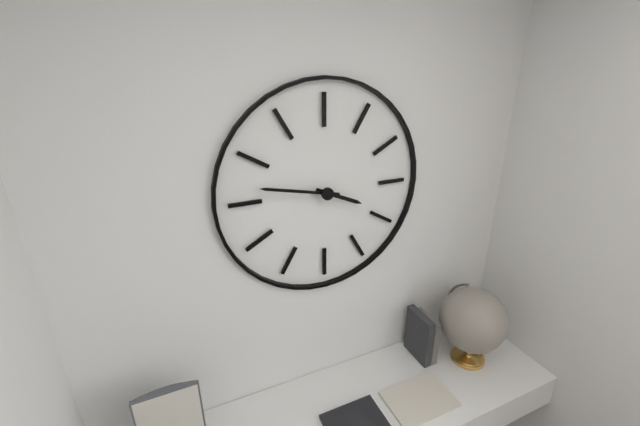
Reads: 3,47
